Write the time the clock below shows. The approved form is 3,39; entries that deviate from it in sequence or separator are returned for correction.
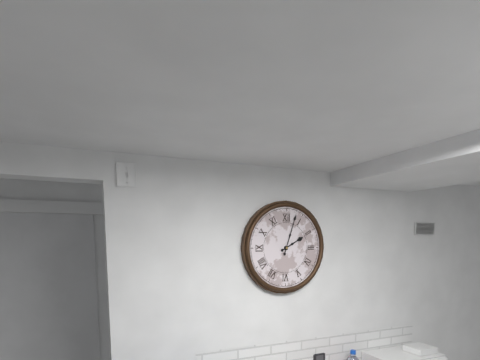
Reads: 2,03
